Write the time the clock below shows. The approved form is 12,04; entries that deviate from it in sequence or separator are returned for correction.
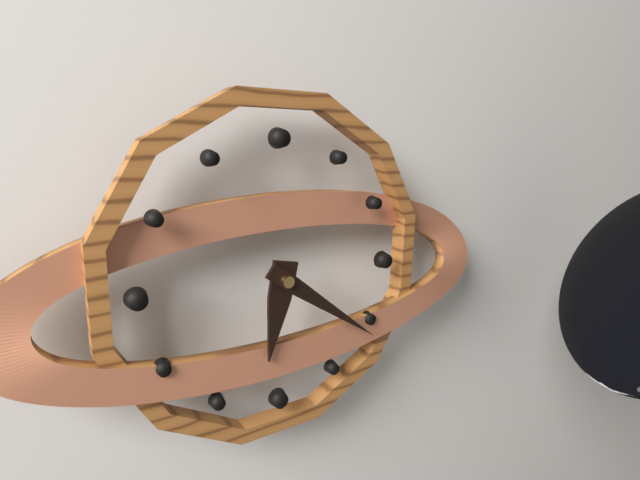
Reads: 6,21
